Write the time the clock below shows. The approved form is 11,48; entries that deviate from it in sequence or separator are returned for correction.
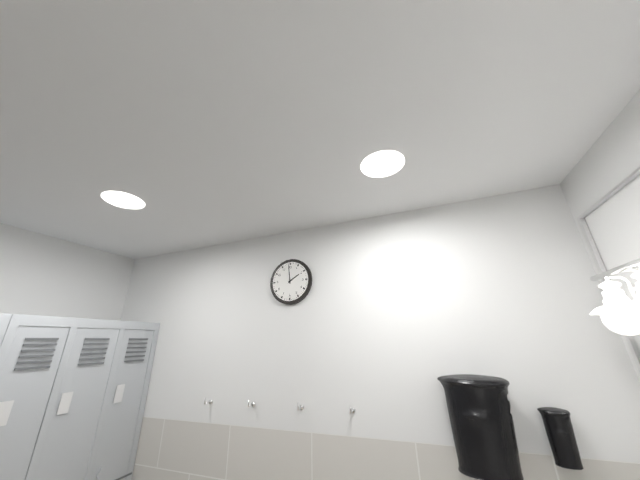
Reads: 1,59
